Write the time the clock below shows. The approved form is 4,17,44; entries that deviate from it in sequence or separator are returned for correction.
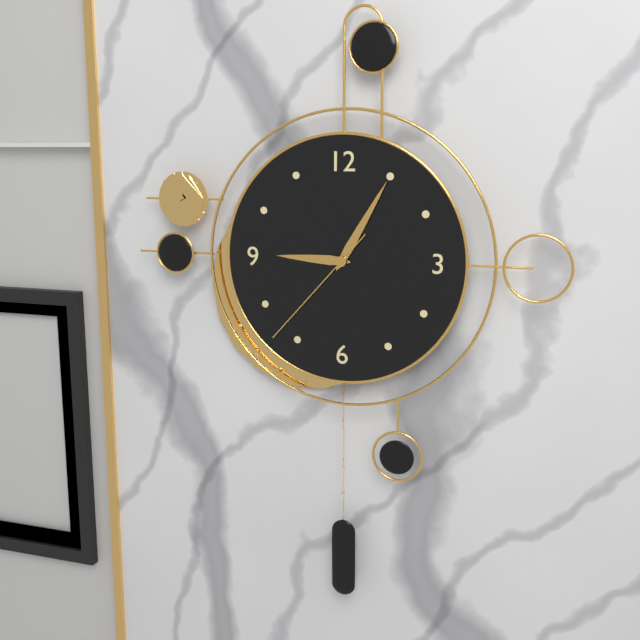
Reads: 9,05,37
